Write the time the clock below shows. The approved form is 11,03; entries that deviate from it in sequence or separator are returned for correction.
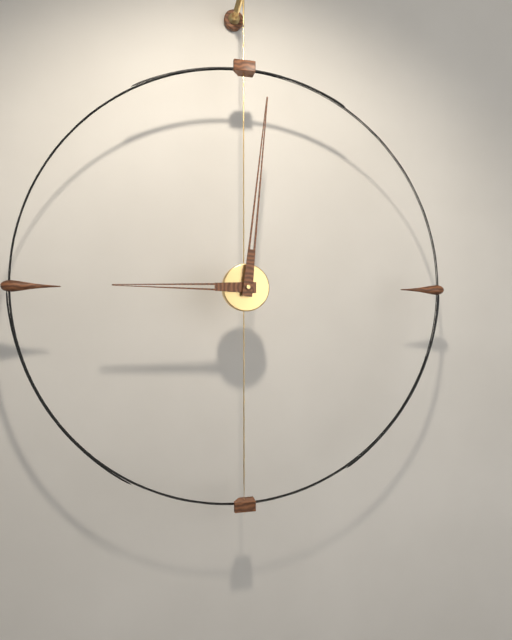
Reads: 9,01
